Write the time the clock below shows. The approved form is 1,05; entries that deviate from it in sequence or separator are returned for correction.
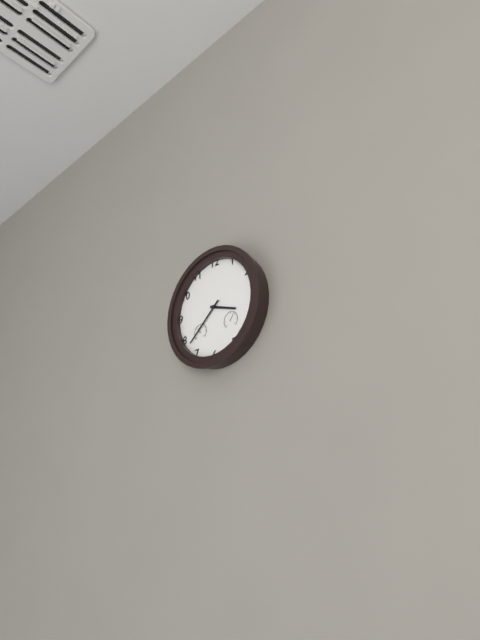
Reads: 3,38
